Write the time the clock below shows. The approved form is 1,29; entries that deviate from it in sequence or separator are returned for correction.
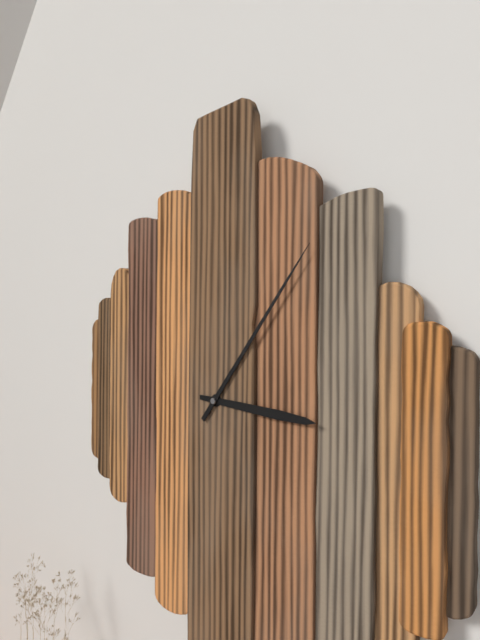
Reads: 3,06
